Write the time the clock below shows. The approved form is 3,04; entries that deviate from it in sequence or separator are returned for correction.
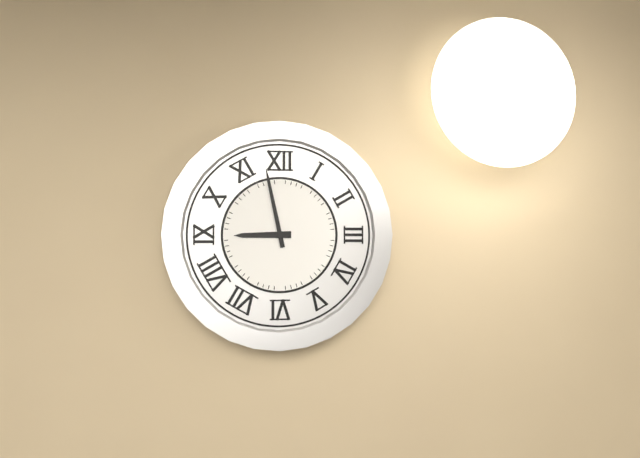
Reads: 8,58
